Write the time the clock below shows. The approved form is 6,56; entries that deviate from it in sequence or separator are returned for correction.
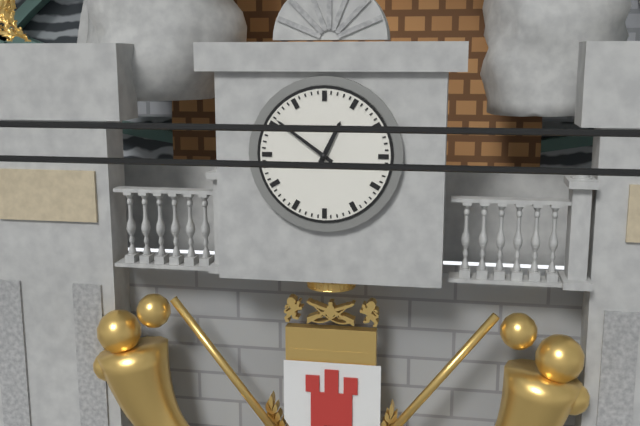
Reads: 12,51
